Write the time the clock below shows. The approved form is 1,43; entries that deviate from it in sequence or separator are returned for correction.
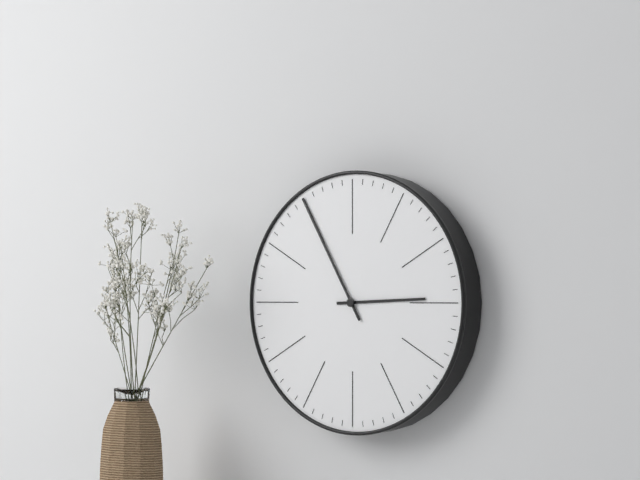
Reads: 2,55
